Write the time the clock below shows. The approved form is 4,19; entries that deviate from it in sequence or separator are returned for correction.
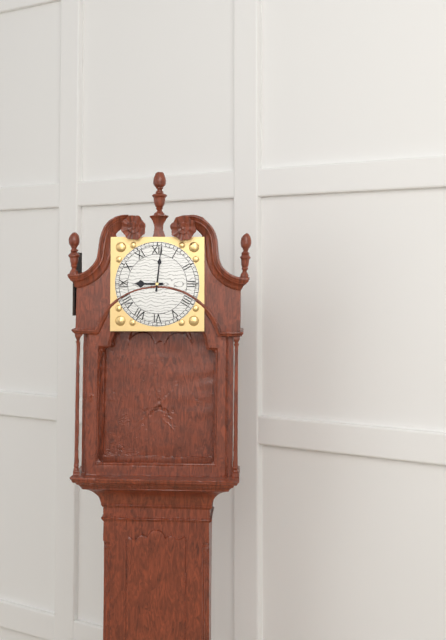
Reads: 9,01
